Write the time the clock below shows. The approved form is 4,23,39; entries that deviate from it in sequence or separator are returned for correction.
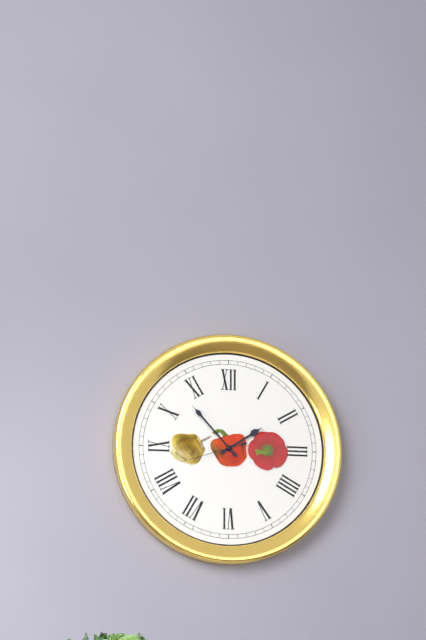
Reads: 1,53,42
